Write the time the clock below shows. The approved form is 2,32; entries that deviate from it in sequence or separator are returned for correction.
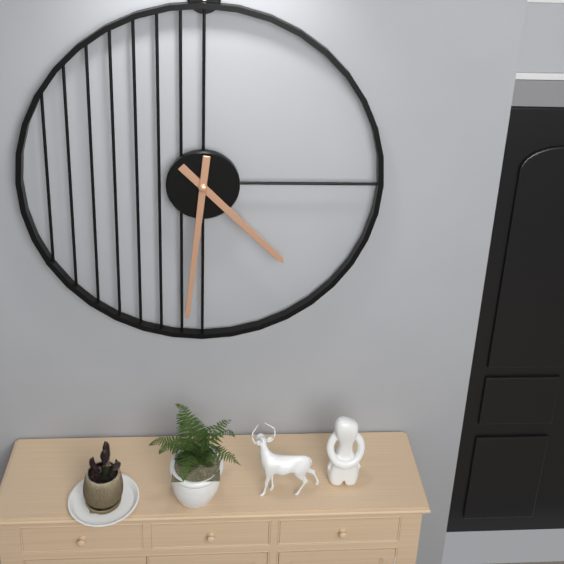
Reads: 4,31
